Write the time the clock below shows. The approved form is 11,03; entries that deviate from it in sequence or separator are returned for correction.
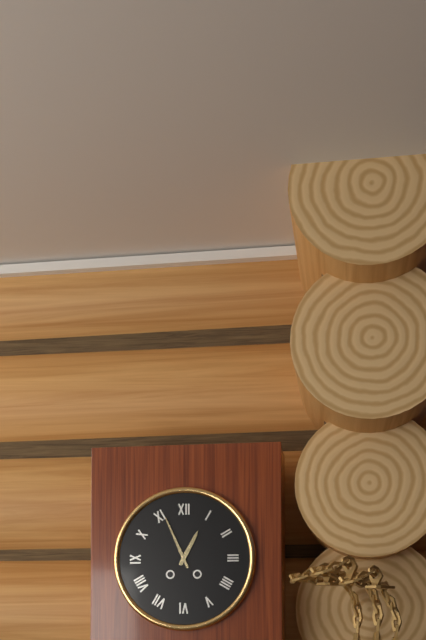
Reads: 12,56
